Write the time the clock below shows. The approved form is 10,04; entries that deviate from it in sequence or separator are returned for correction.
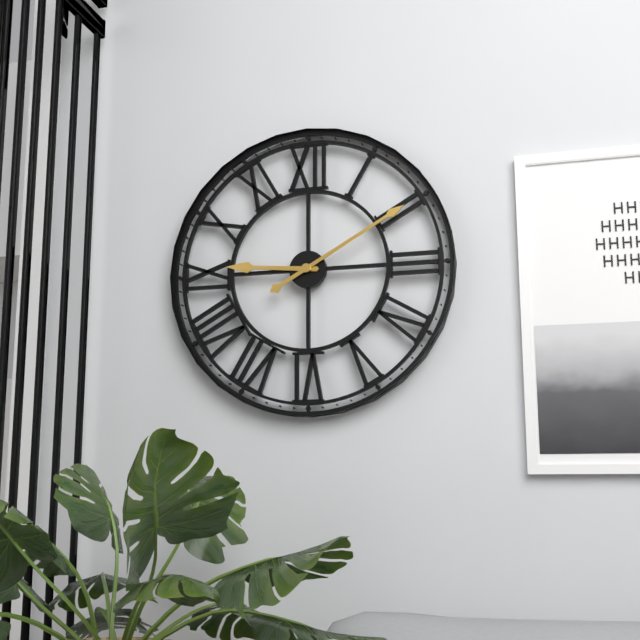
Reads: 9,10
